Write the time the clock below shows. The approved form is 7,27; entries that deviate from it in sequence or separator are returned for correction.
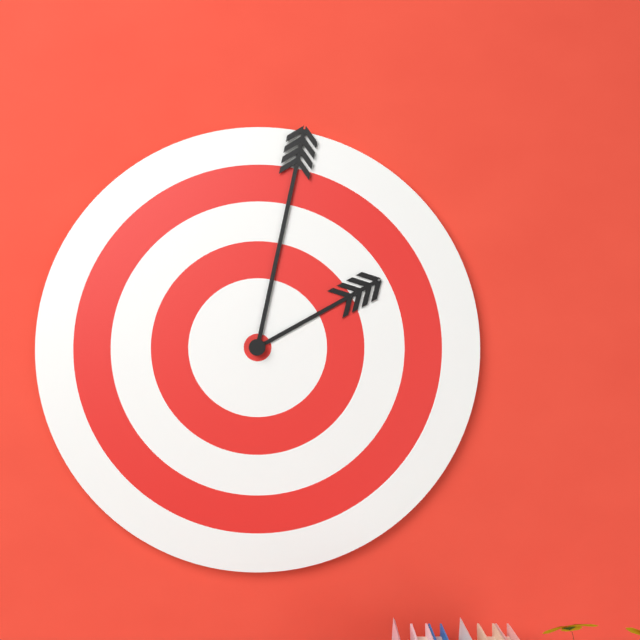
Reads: 2,02
